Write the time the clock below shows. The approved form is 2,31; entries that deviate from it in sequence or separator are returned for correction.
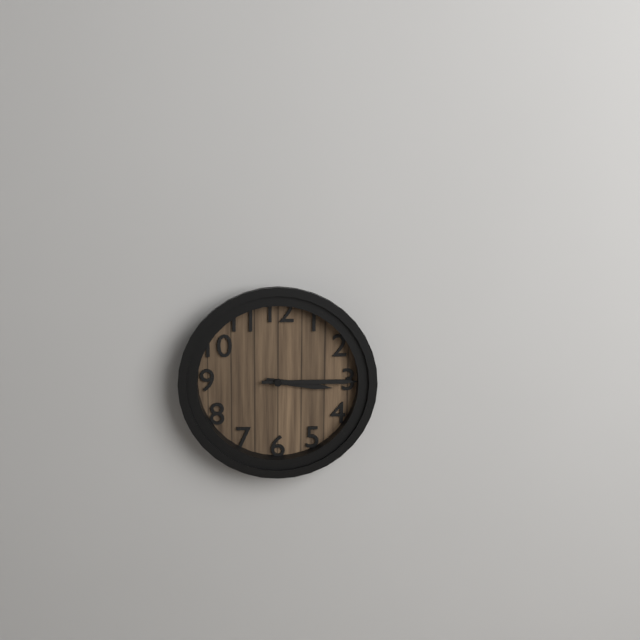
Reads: 3,15
